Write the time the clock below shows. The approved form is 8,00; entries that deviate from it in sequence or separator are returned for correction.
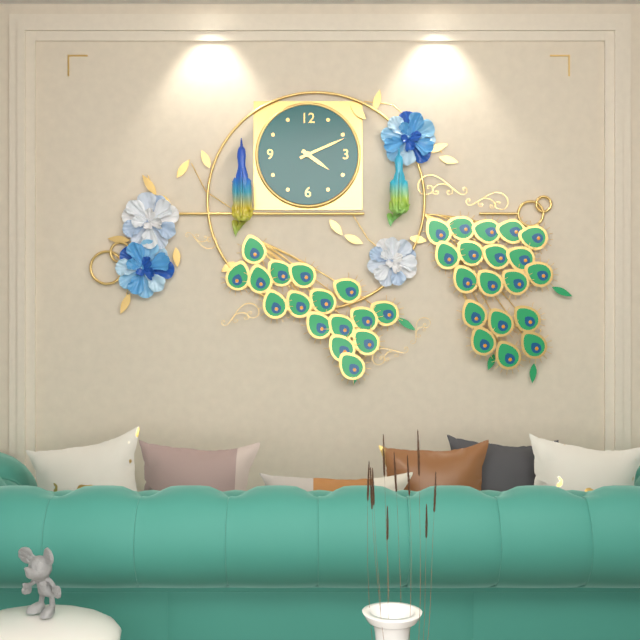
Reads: 4,11
